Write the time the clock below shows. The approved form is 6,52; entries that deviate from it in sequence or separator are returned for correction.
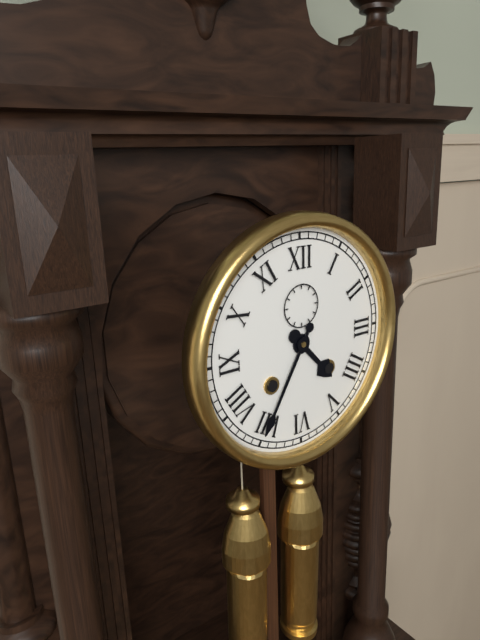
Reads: 4,35
